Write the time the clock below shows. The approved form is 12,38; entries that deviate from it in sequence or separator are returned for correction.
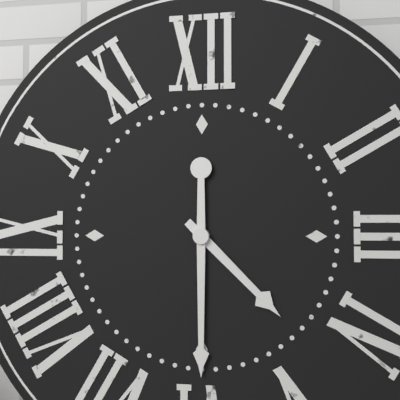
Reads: 4,30
